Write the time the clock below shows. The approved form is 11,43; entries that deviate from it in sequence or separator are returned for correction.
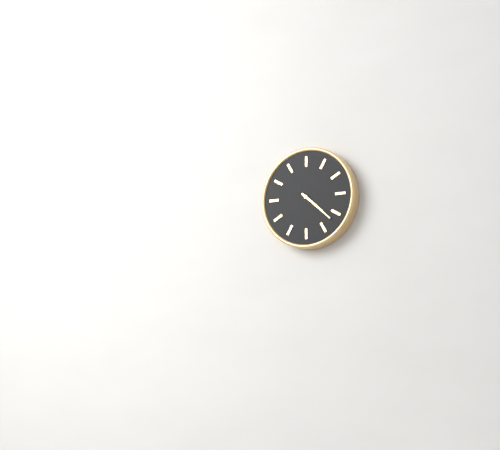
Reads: 4,22
